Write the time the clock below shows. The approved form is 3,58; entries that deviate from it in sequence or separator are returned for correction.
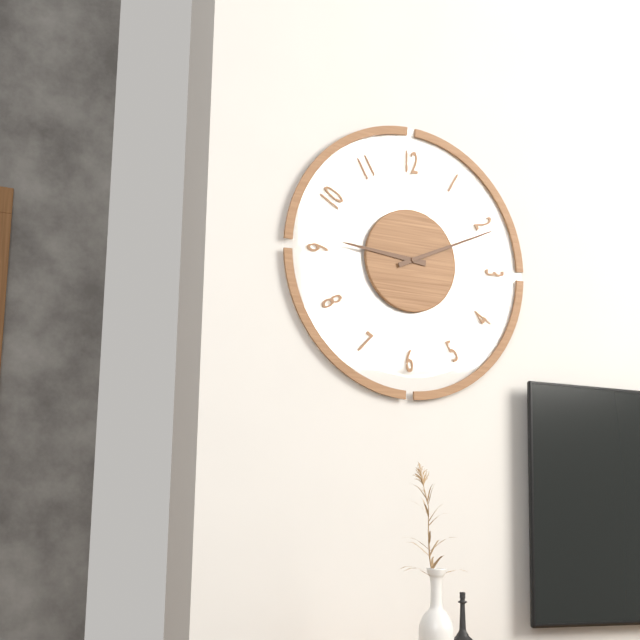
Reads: 9,11
